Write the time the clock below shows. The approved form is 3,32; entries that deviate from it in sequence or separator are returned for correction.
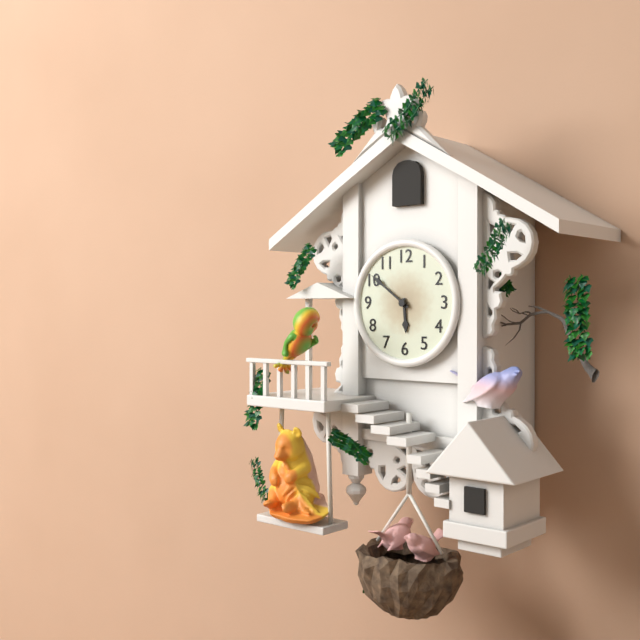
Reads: 5,51
